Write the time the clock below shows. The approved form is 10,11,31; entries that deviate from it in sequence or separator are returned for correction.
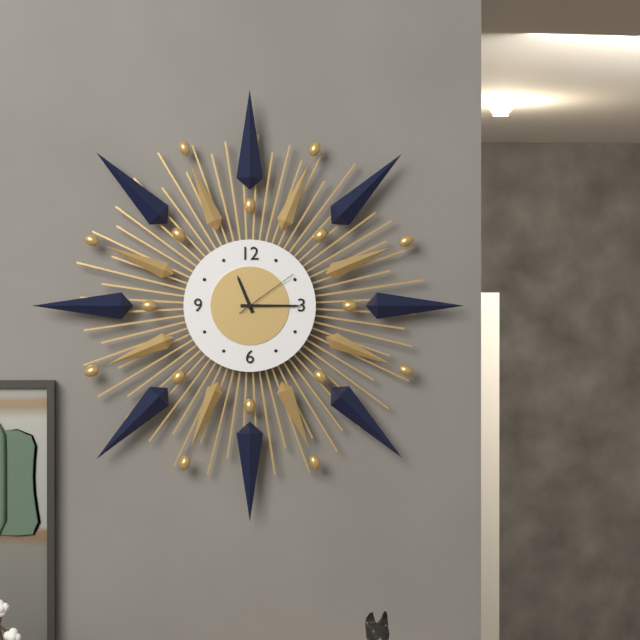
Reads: 11,15,09
